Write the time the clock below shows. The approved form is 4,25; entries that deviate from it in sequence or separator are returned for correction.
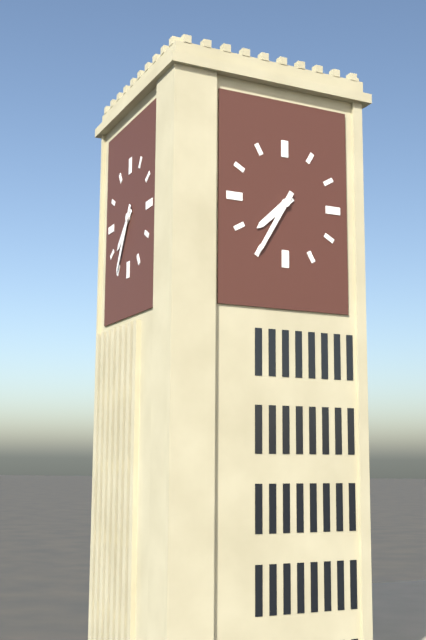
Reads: 7,35
